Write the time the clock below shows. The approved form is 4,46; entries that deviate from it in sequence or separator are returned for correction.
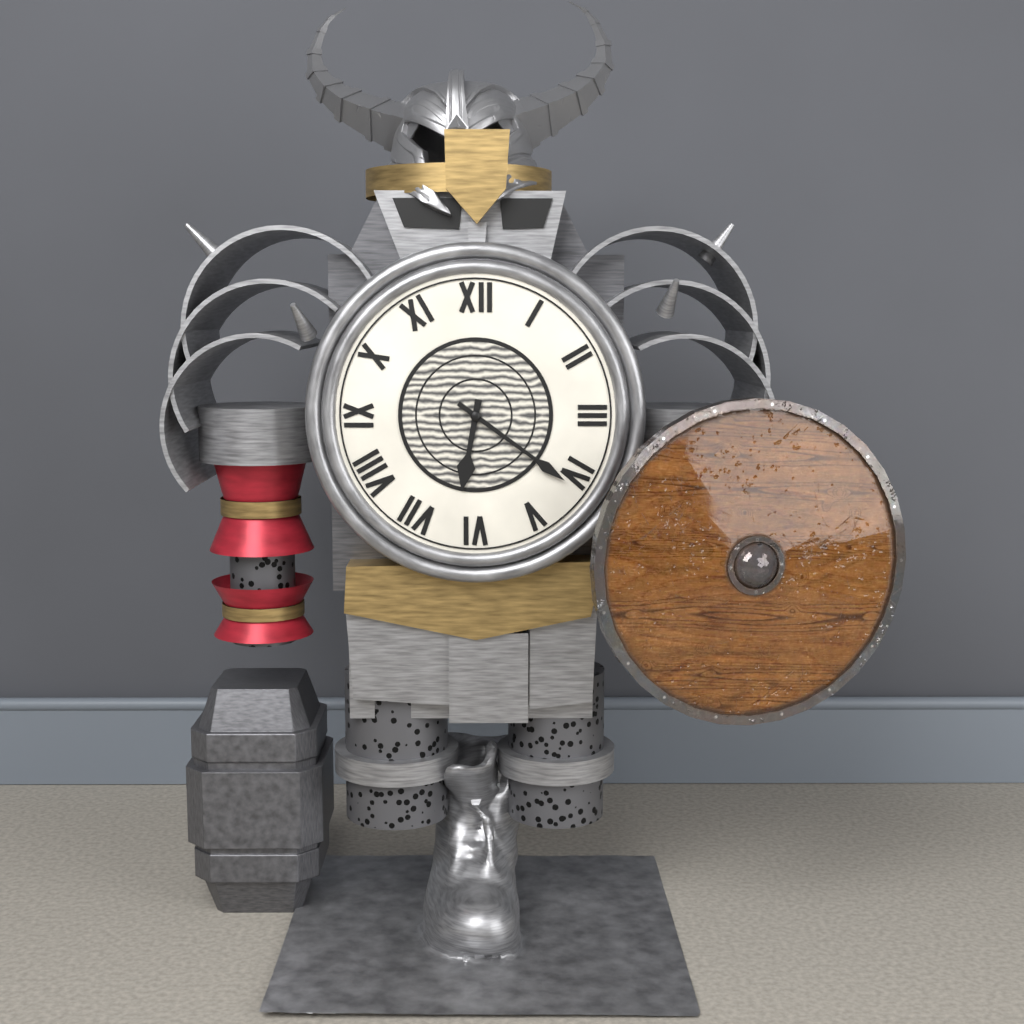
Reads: 6,21
